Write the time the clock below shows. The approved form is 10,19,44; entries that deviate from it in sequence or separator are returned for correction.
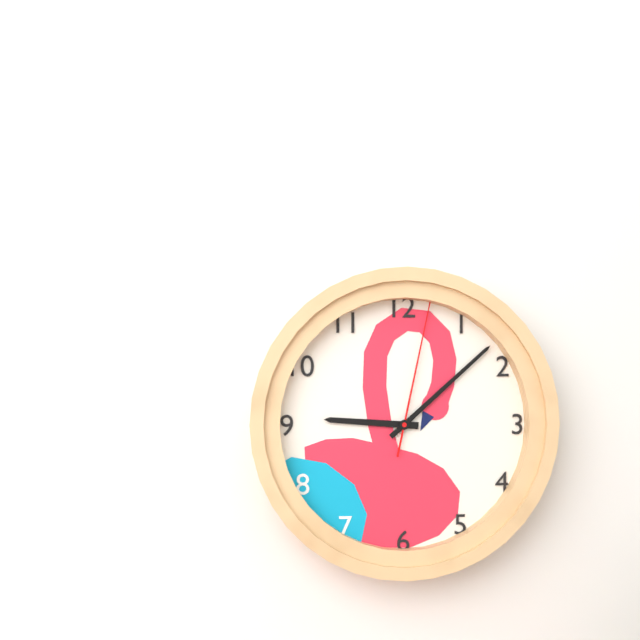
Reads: 9,08,02
